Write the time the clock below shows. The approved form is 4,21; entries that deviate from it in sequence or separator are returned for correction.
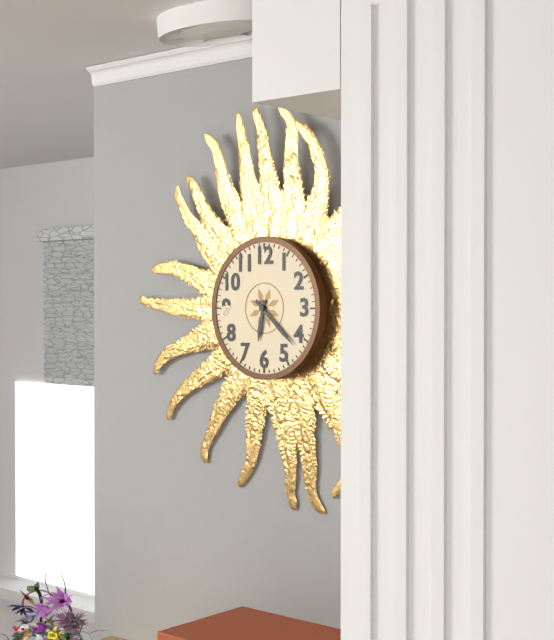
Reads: 6,22
